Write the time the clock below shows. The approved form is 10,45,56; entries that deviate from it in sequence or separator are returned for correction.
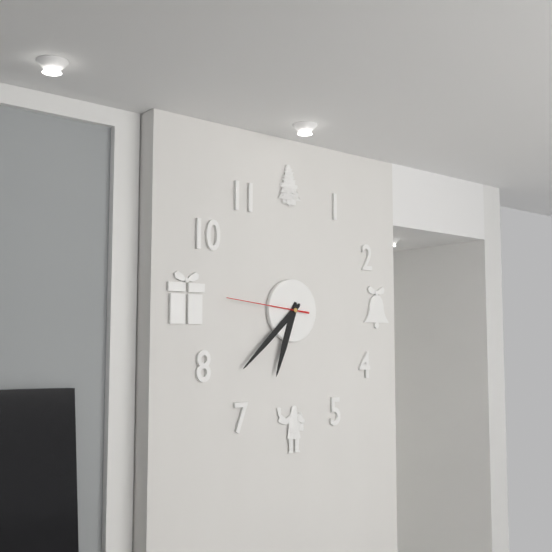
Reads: 6,38,46
